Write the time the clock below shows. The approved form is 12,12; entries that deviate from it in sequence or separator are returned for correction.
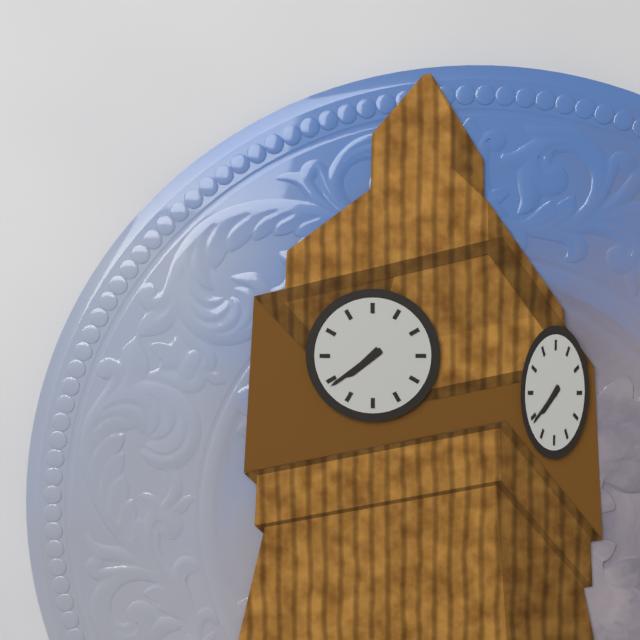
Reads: 7,39
